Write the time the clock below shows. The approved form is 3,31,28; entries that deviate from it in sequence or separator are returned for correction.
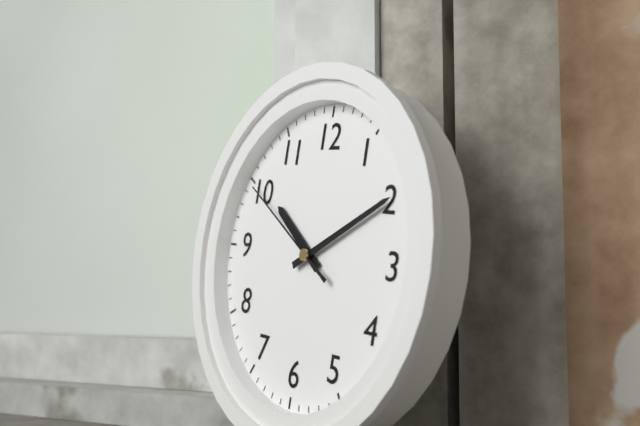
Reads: 10,10,50
